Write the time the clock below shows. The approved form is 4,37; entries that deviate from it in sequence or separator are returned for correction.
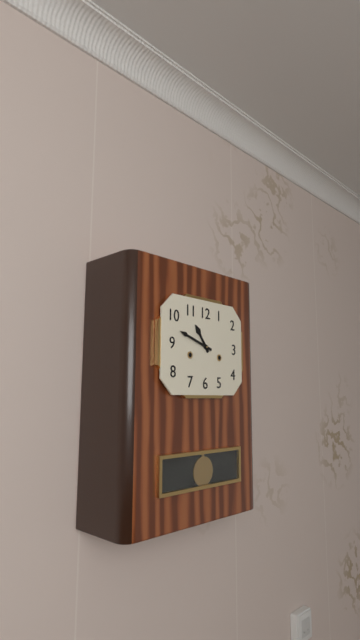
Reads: 10,48
